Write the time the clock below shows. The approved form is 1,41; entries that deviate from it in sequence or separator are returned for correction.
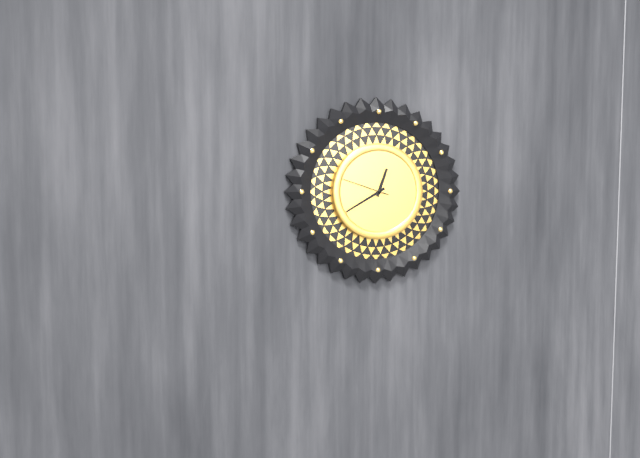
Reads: 12,40
